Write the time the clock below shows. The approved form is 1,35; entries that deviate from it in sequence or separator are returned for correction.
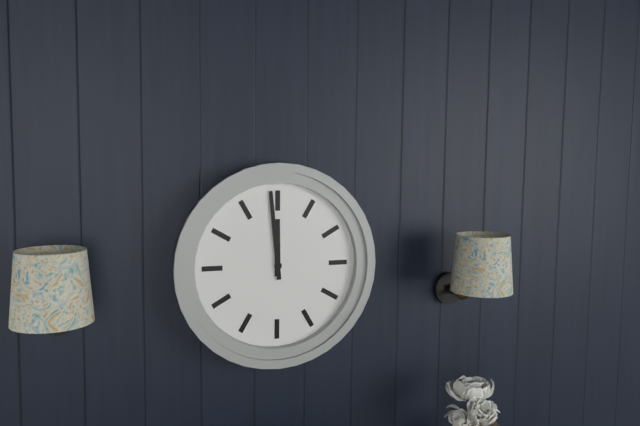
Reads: 11,59
